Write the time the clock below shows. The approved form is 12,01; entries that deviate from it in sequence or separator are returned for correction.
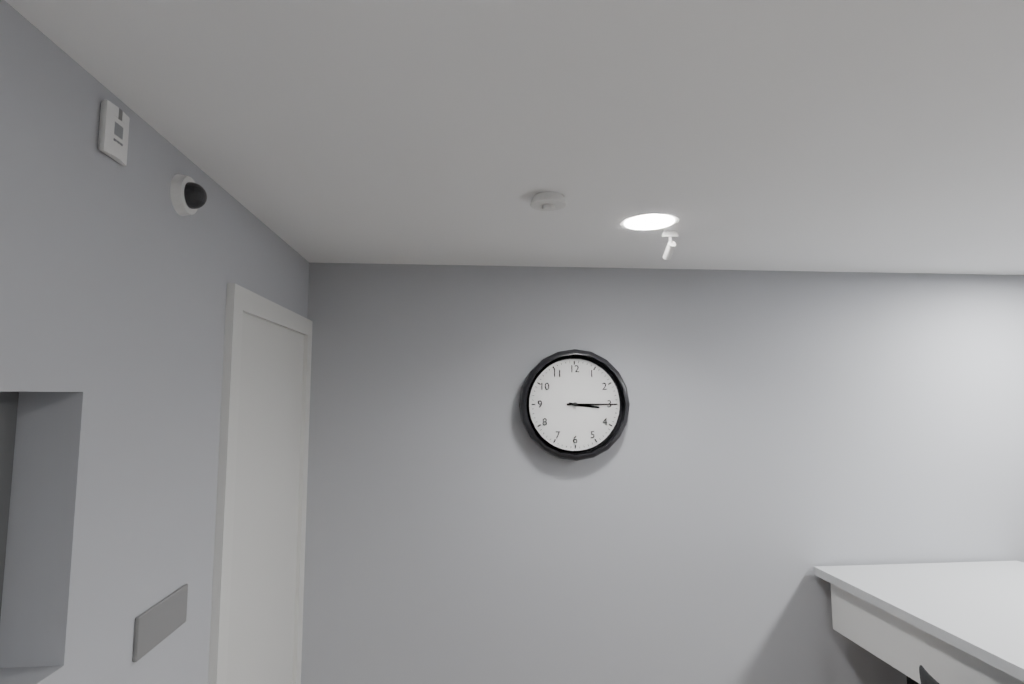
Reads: 3,15
